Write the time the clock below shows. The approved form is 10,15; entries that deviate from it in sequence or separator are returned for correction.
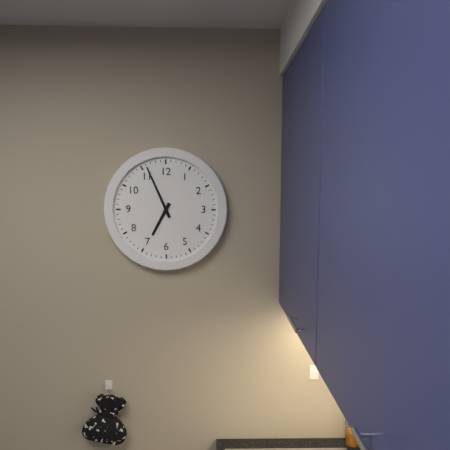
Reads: 6,56
